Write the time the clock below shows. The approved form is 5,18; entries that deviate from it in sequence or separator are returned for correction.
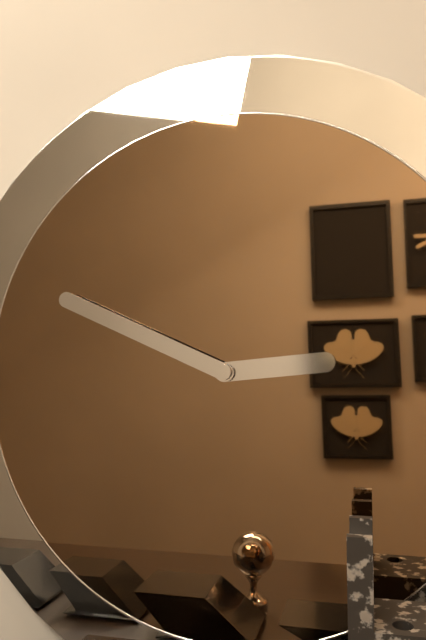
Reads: 2,49
